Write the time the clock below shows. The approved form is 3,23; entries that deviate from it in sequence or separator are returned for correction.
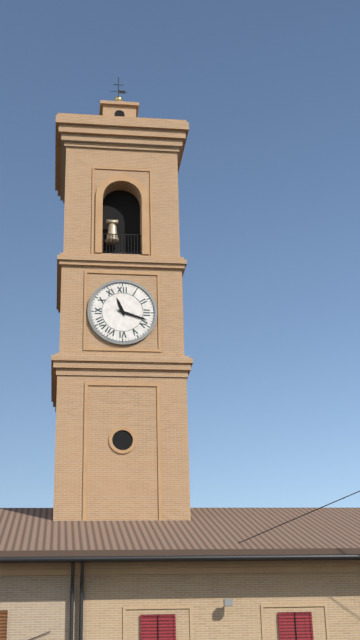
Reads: 11,18
